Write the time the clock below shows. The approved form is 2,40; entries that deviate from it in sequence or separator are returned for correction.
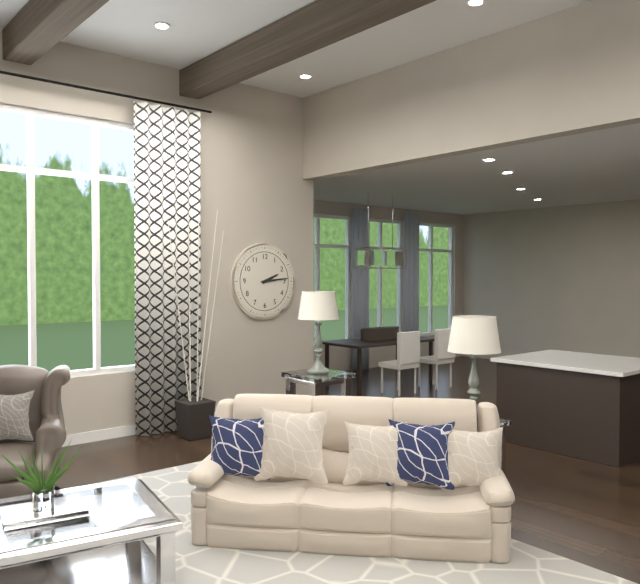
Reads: 2,14
